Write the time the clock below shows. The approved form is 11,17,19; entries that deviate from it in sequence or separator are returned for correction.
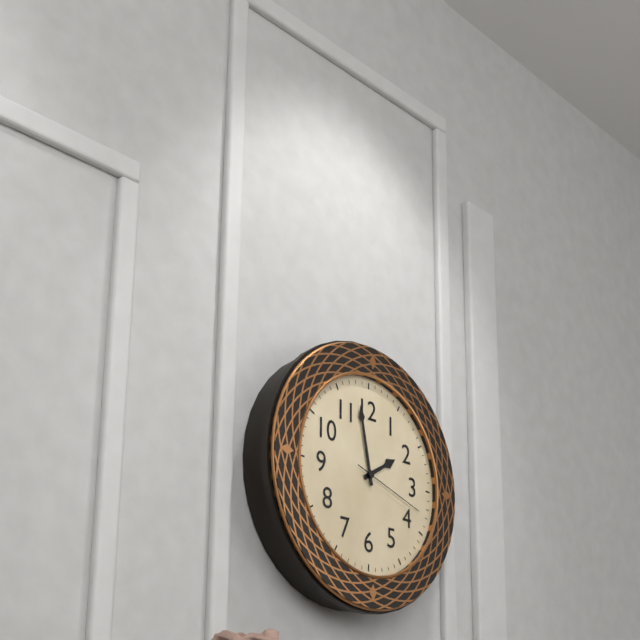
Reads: 1,58,18
